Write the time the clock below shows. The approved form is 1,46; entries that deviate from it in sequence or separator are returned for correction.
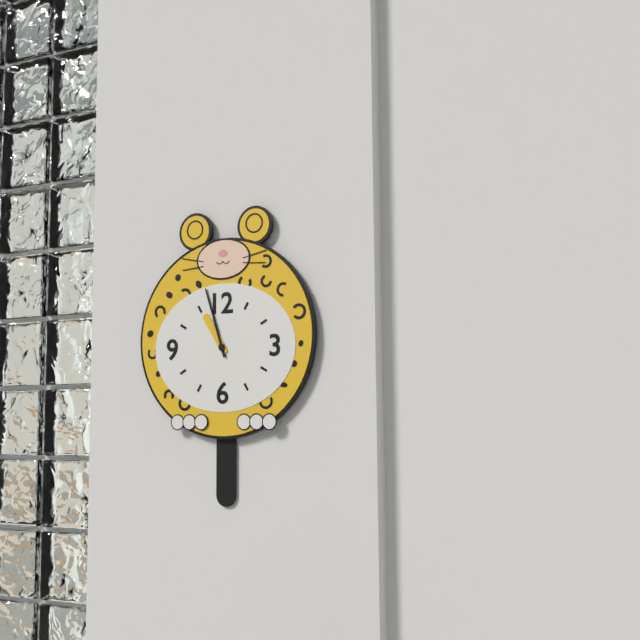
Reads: 10,57
